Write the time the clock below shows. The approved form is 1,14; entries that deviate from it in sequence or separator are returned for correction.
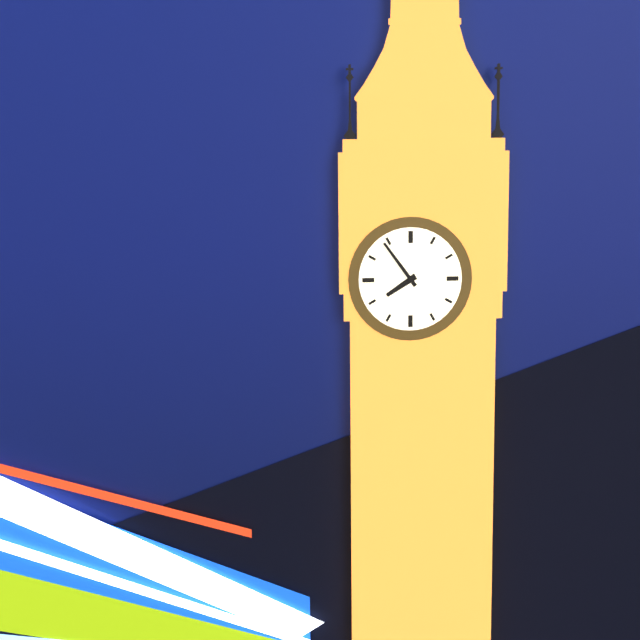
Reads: 7,54
